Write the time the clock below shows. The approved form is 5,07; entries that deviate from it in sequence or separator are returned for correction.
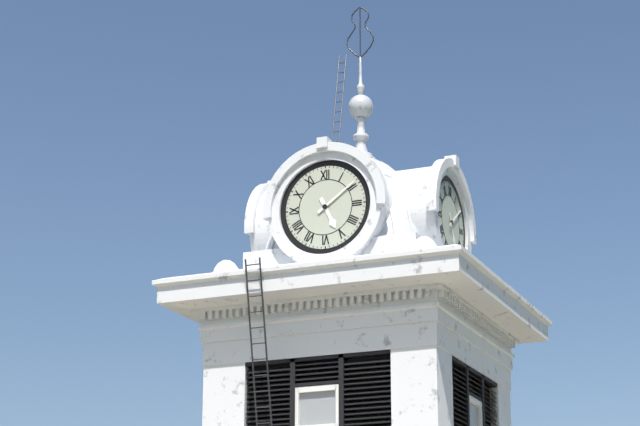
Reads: 5,09
